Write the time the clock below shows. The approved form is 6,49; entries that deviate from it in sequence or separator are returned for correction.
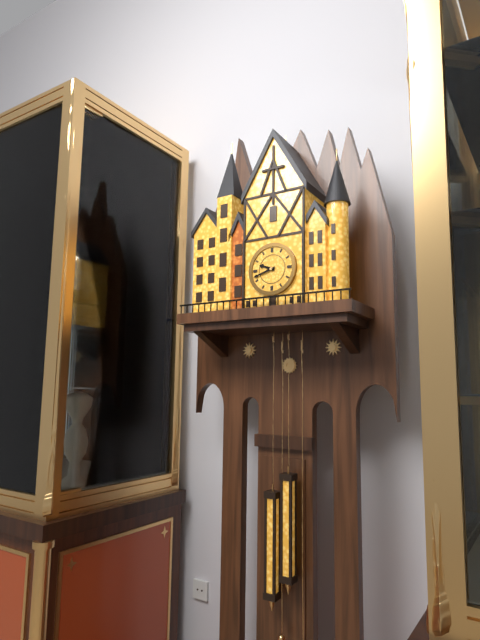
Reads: 9,42
